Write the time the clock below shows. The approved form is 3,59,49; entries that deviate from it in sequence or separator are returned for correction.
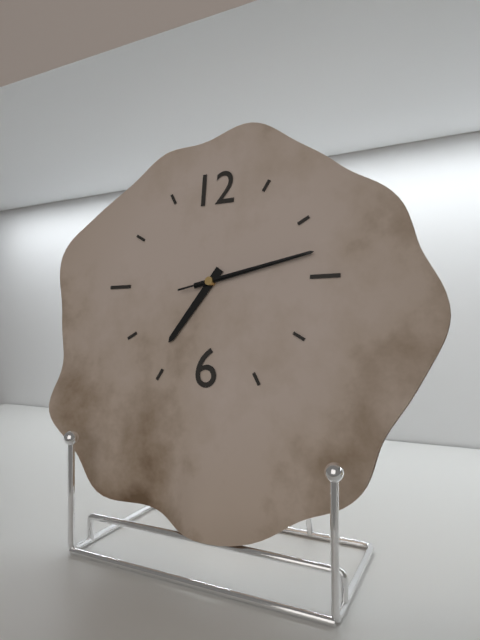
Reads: 7,13,13
